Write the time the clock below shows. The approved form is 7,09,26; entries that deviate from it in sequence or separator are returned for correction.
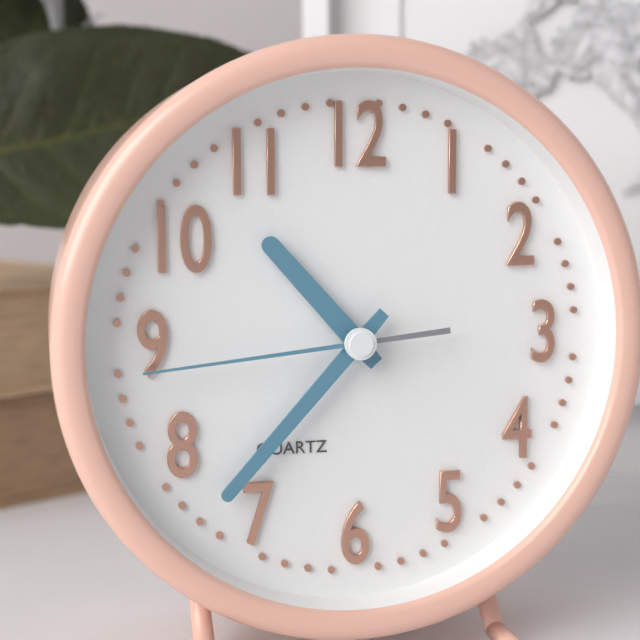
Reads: 10,37,44
